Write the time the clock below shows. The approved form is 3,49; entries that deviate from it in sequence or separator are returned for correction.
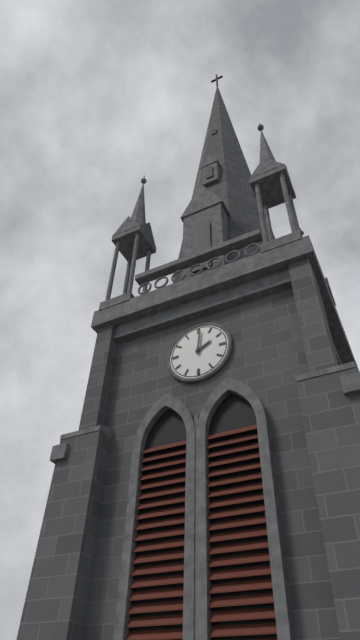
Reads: 2,01
